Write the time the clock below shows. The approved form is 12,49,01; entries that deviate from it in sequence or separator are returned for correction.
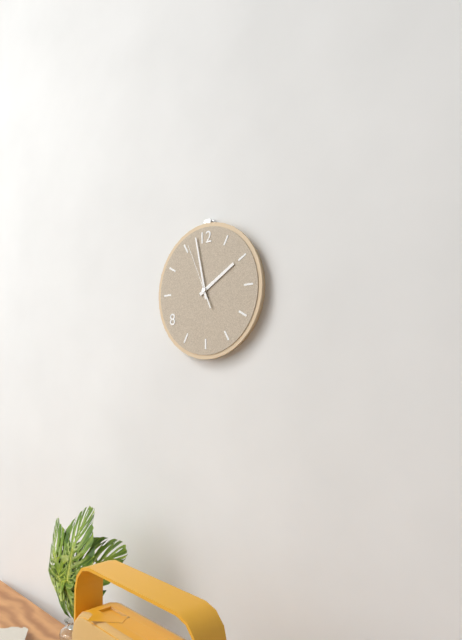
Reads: 1,58,56
